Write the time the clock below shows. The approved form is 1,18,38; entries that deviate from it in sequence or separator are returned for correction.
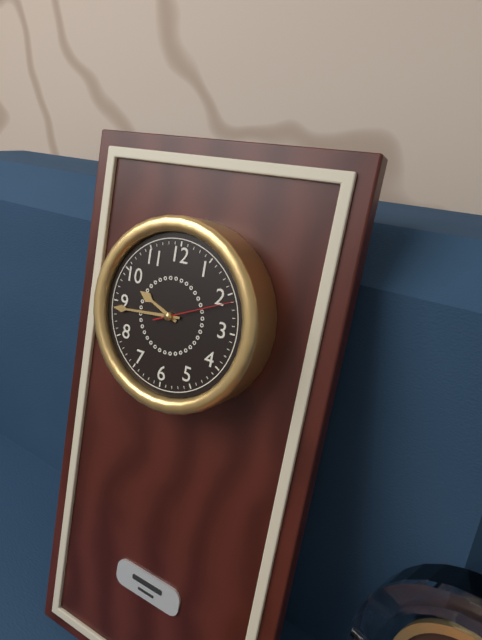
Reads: 9,44,11
